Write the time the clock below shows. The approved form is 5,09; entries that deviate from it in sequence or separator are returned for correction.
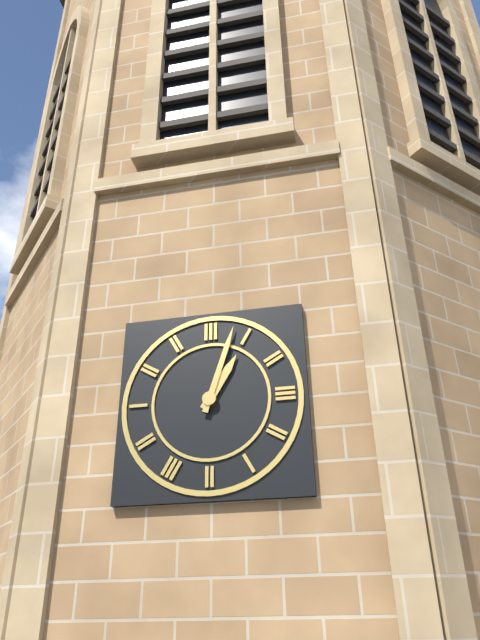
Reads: 1,03
